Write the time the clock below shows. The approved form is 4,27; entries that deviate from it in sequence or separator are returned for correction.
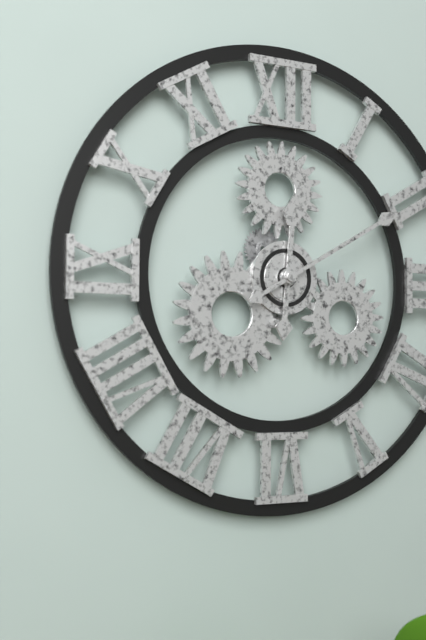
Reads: 12,10
